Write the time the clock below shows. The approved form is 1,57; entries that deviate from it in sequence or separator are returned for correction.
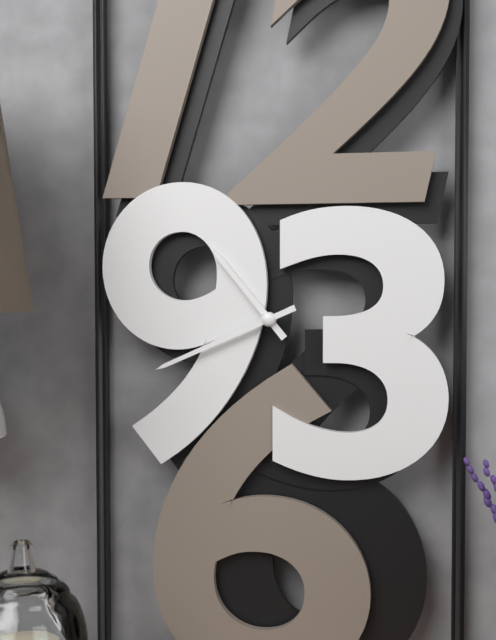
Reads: 10,41
